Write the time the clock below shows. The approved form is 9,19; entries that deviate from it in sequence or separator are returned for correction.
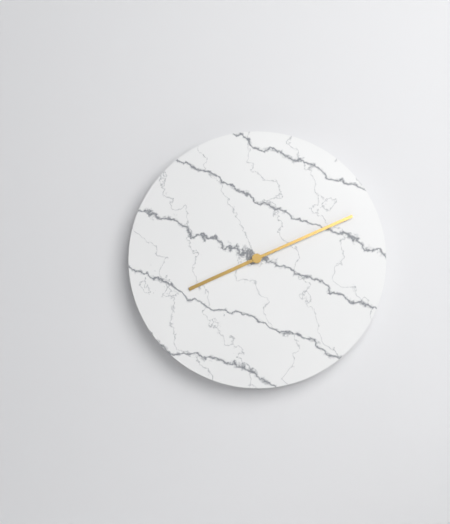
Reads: 8,11
